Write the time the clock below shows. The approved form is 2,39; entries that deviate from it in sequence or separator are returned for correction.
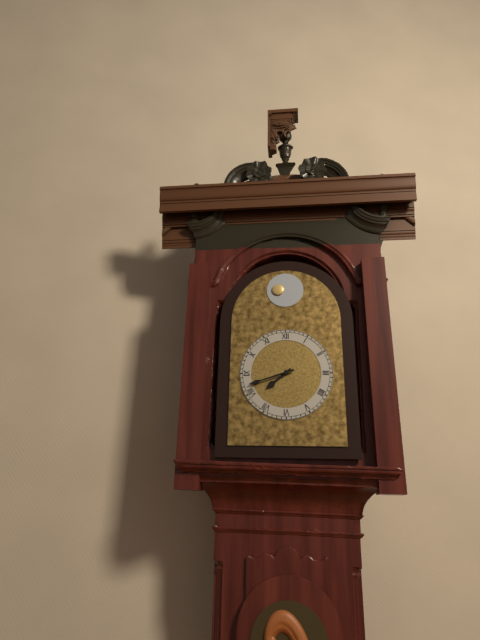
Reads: 7,42
